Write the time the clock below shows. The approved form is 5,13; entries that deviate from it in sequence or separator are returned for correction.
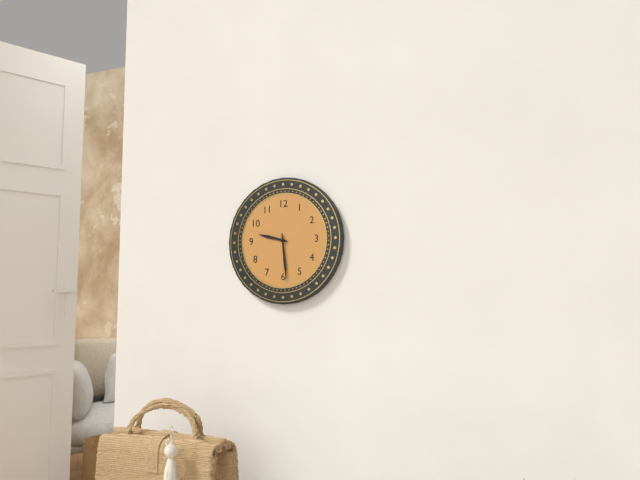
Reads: 9,29
